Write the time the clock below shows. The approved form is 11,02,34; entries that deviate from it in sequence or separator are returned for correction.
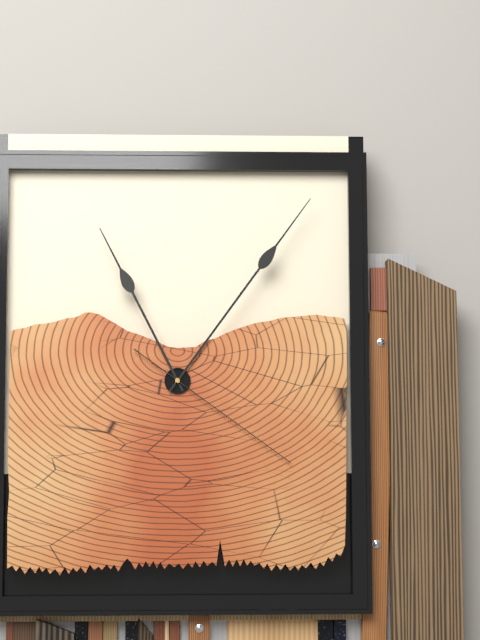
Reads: 11,06,21
